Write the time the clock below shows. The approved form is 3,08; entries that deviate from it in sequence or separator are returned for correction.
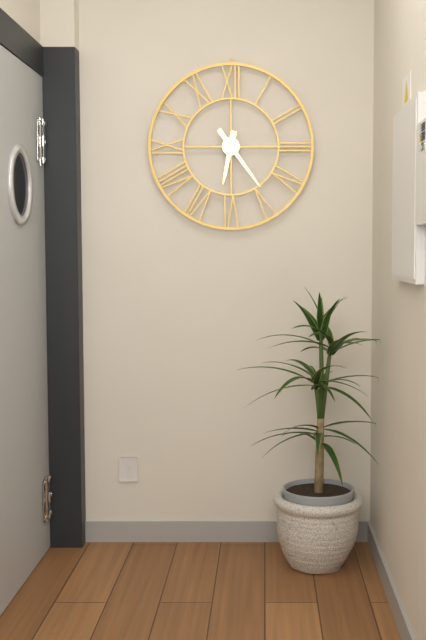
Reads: 6,24
